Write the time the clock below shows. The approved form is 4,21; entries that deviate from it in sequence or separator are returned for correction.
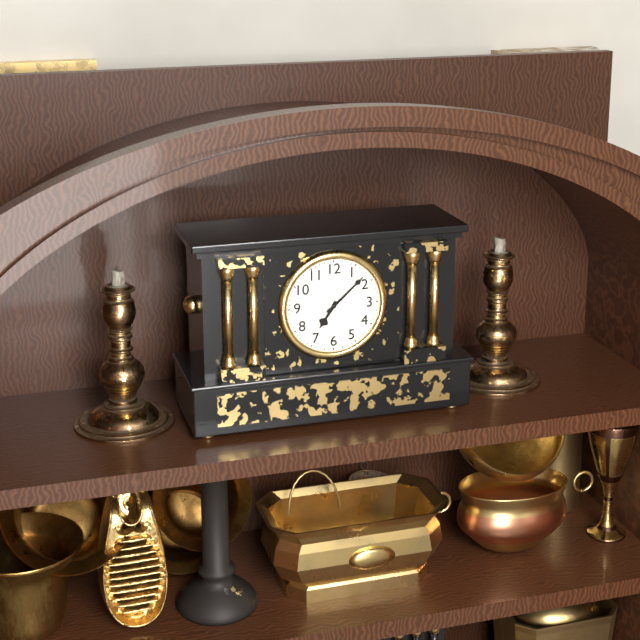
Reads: 7,08
